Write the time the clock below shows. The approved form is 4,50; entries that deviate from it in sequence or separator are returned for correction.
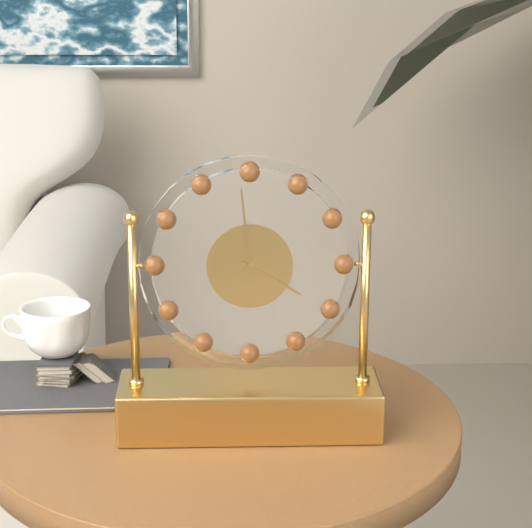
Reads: 3,59
